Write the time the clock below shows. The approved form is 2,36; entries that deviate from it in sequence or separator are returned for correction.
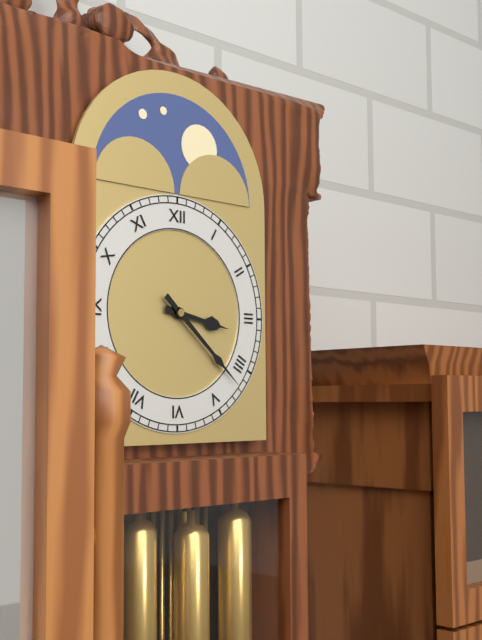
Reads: 3,22
